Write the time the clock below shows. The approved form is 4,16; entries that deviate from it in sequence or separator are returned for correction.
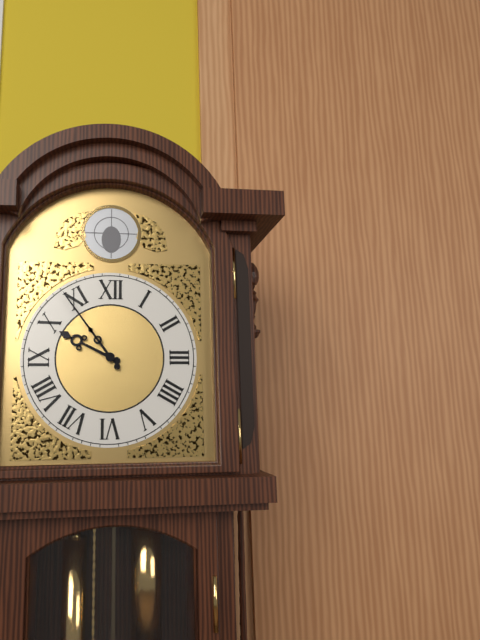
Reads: 9,54
